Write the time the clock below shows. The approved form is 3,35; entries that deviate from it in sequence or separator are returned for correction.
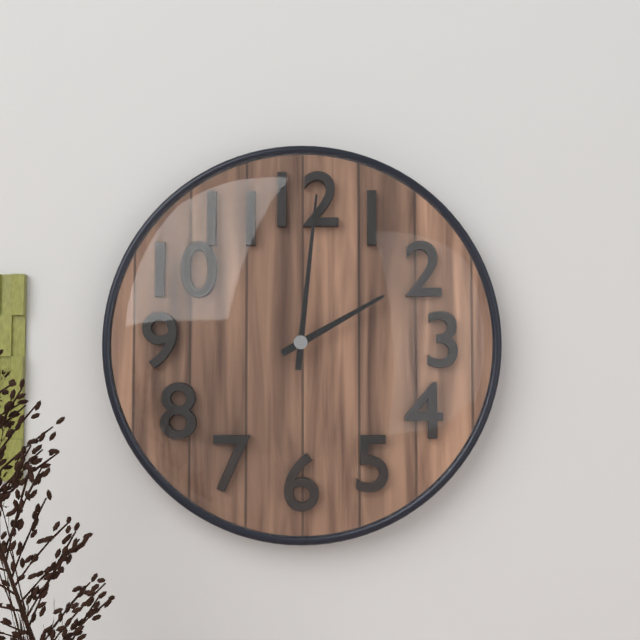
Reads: 2,01
